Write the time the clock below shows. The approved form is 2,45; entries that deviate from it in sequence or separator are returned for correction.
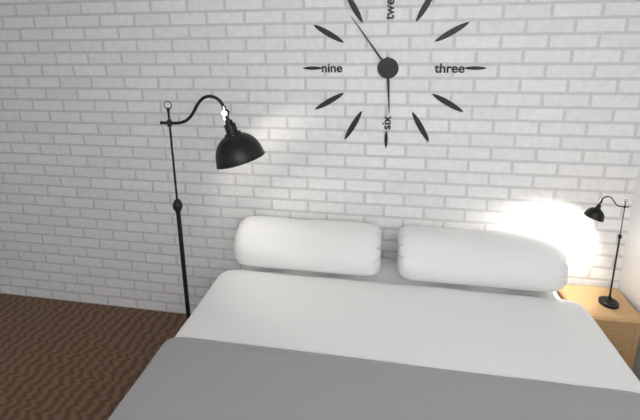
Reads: 5,54
